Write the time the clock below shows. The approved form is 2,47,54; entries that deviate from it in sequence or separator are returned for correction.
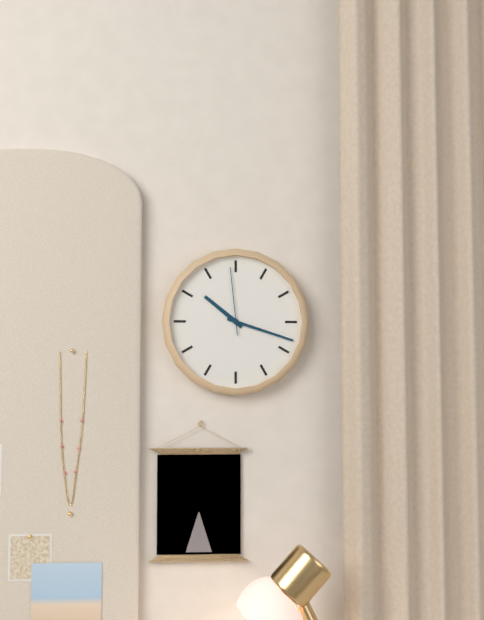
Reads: 10,18,59
